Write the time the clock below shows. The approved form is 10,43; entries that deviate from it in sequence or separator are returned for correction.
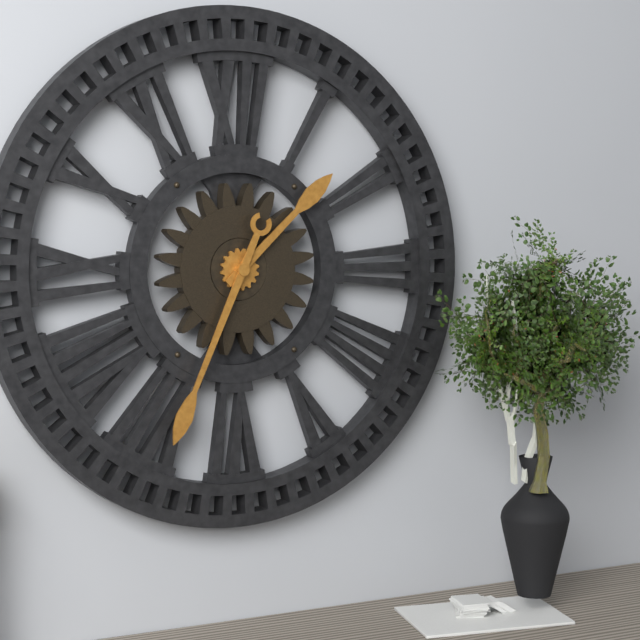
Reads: 1,34
